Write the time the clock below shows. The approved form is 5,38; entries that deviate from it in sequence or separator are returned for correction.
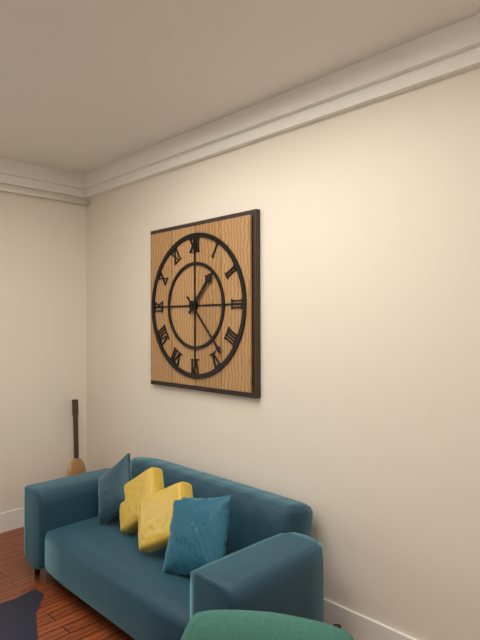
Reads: 1,23
